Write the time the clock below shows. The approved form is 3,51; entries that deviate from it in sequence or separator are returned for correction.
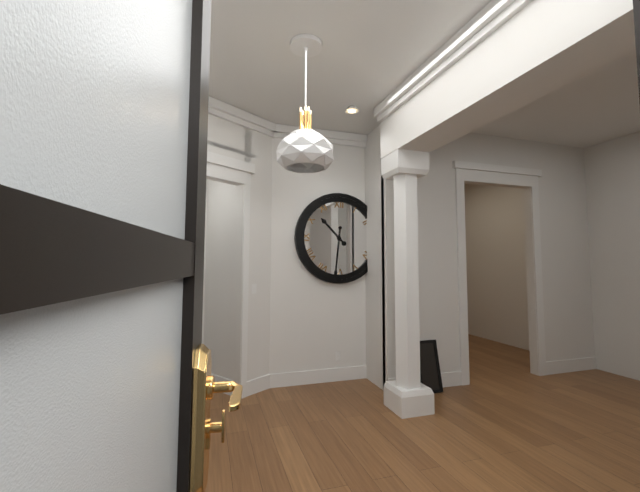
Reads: 10,31
